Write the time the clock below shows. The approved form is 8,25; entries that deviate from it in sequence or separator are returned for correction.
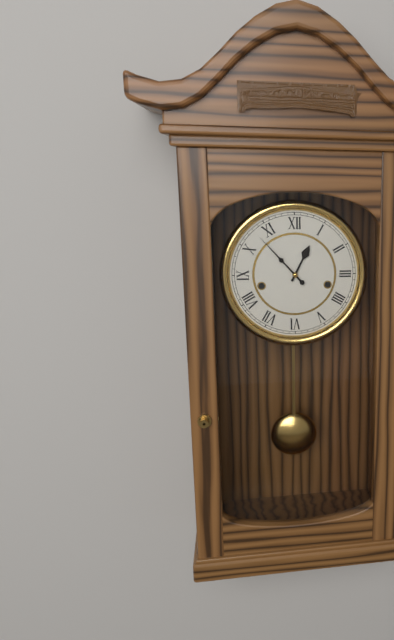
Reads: 12,53
